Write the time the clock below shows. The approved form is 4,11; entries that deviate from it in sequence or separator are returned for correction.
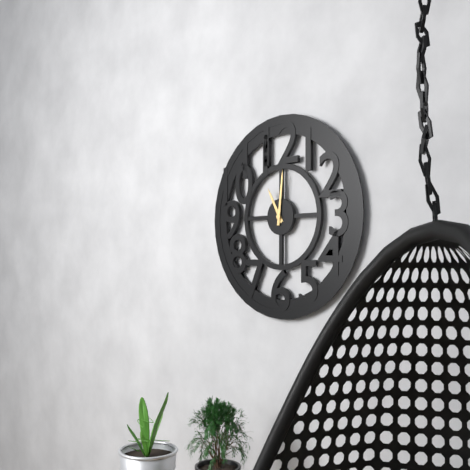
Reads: 11,01
